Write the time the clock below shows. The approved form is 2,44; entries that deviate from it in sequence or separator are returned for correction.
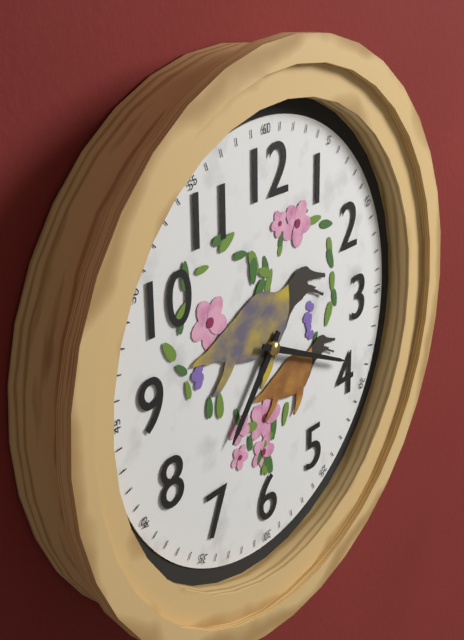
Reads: 7,19
